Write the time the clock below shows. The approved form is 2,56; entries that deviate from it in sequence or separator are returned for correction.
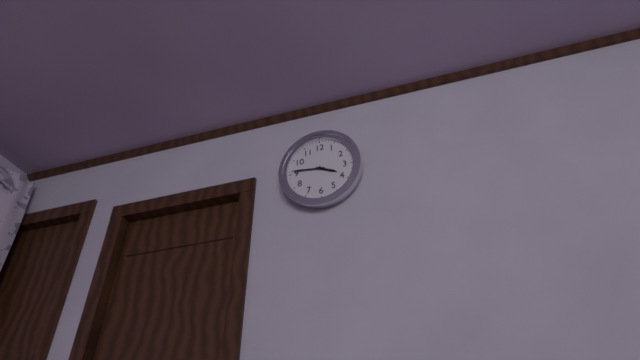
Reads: 3,46
